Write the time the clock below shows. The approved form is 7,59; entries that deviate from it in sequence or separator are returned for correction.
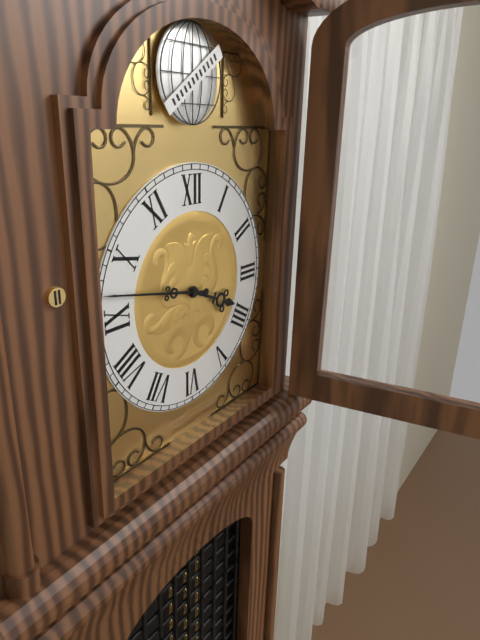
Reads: 3,47
